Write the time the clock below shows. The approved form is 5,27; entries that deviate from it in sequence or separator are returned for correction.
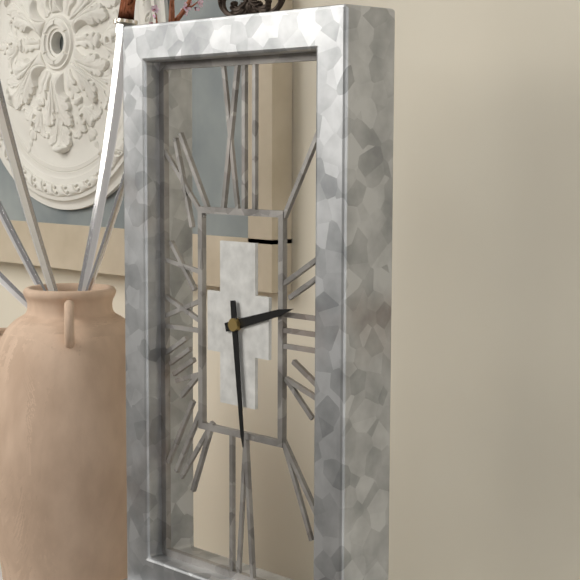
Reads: 2,29
